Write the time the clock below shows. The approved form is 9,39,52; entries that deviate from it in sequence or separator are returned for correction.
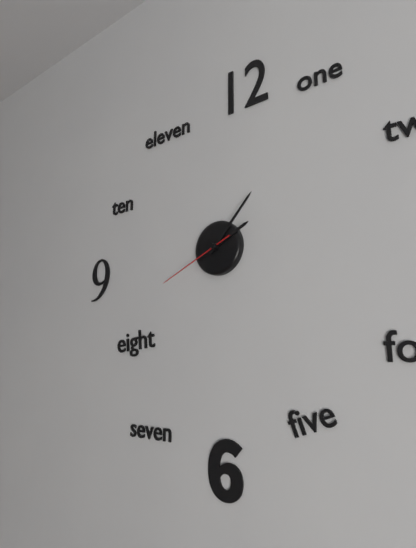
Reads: 2,07,41
